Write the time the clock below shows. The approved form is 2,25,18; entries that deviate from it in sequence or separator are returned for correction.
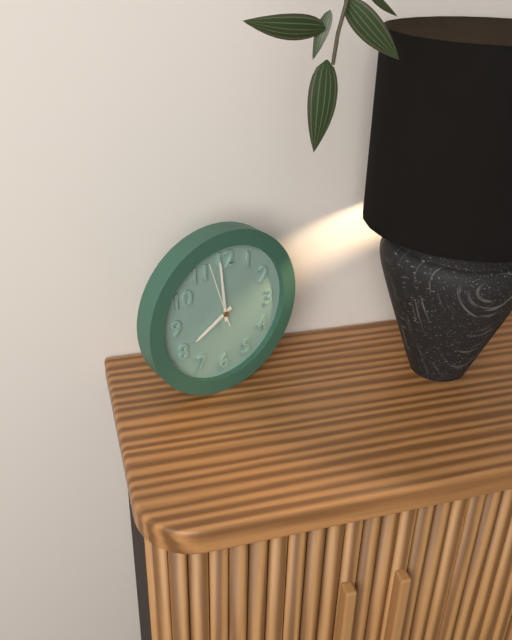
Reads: 7,59,57
